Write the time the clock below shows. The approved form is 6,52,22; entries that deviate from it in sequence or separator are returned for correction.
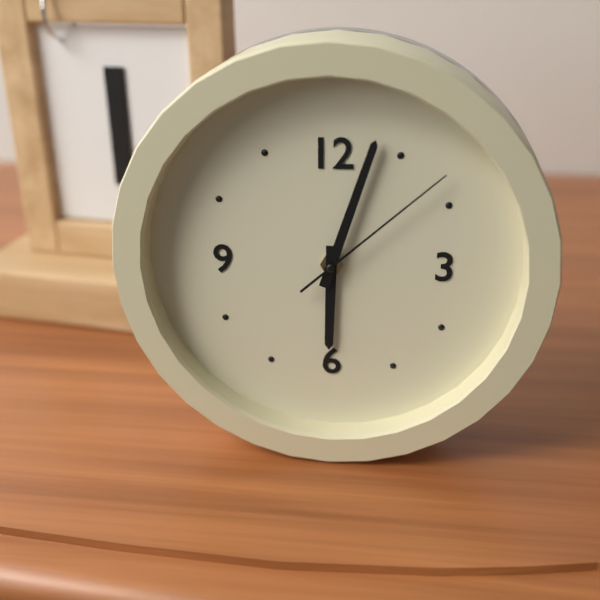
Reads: 6,03,08
